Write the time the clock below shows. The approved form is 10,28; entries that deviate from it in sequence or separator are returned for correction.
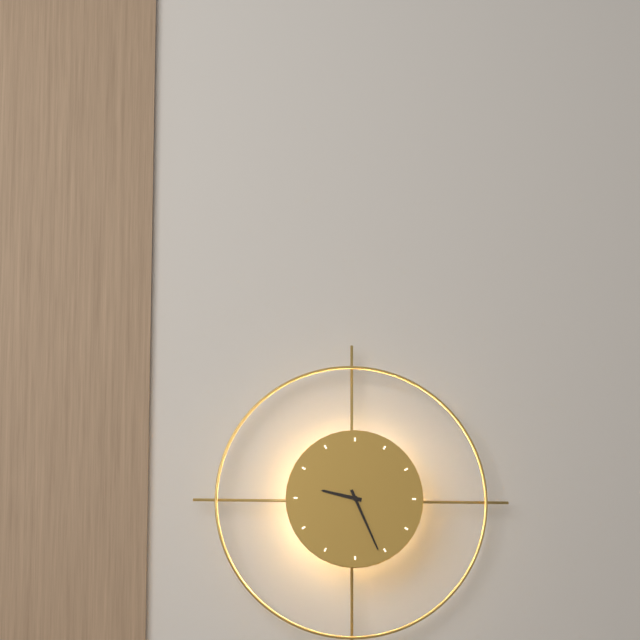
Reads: 9,26
